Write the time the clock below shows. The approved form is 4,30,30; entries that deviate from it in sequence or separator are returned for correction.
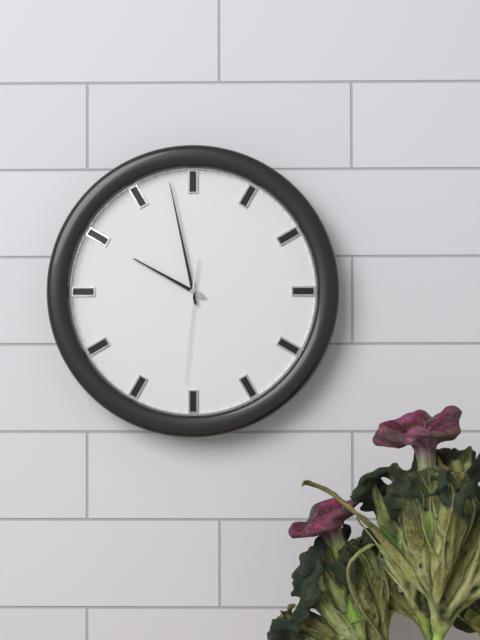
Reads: 9,58,31
